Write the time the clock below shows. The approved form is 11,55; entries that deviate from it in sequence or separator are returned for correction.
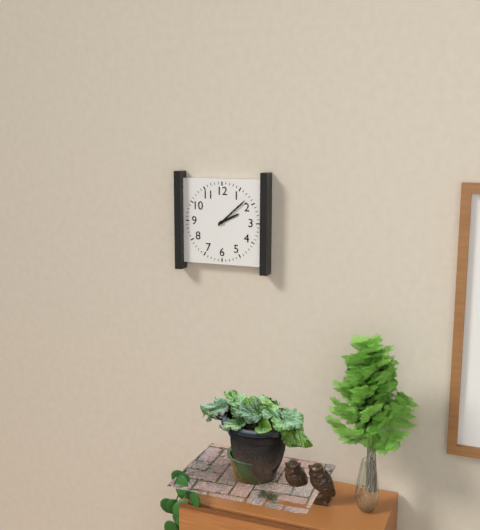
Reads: 2,08
